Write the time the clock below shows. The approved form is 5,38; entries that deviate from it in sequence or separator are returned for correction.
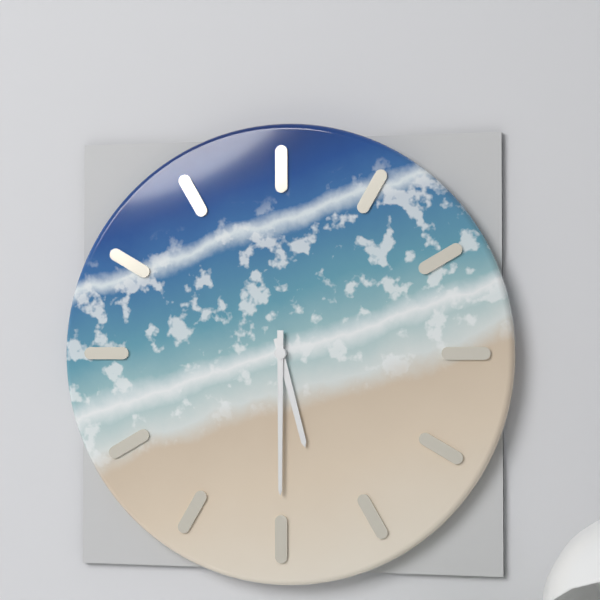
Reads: 5,30
